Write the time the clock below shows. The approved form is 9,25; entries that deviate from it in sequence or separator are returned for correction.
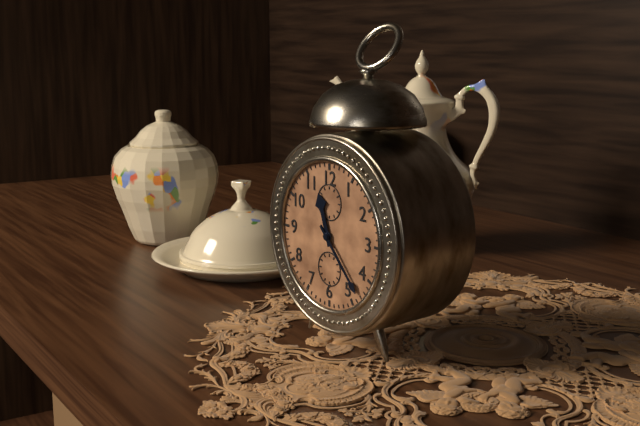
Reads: 11,23
